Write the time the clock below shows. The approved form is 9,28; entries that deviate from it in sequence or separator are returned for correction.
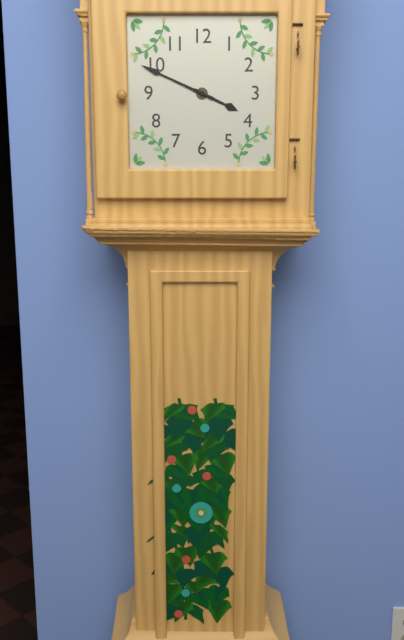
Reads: 3,49
